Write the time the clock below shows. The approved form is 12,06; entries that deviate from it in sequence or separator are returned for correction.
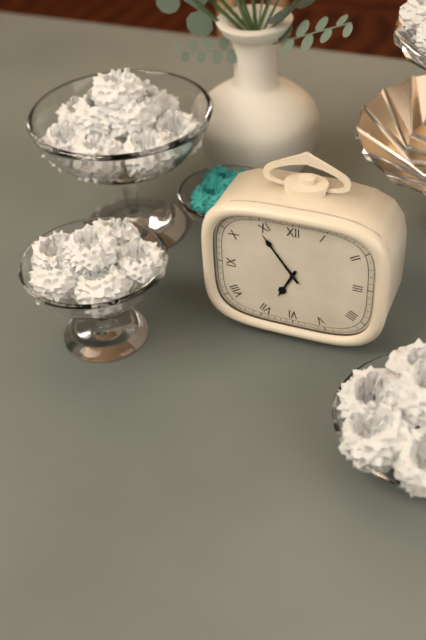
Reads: 6,54
